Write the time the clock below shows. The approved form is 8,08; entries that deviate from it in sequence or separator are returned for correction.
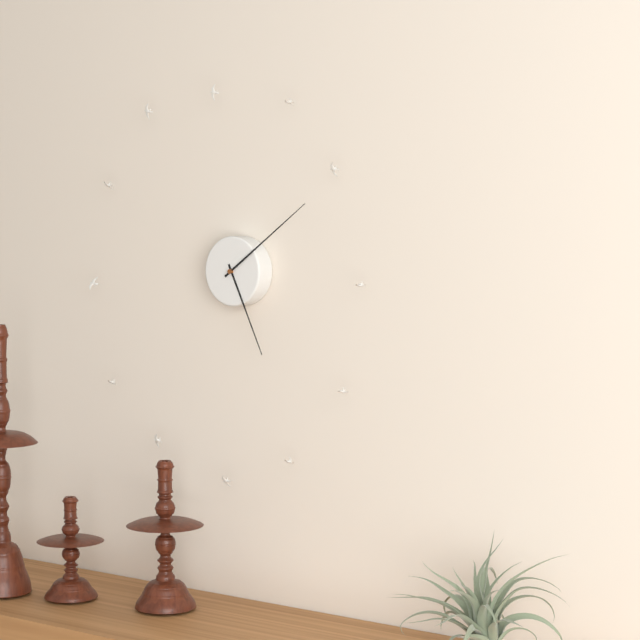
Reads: 5,09
